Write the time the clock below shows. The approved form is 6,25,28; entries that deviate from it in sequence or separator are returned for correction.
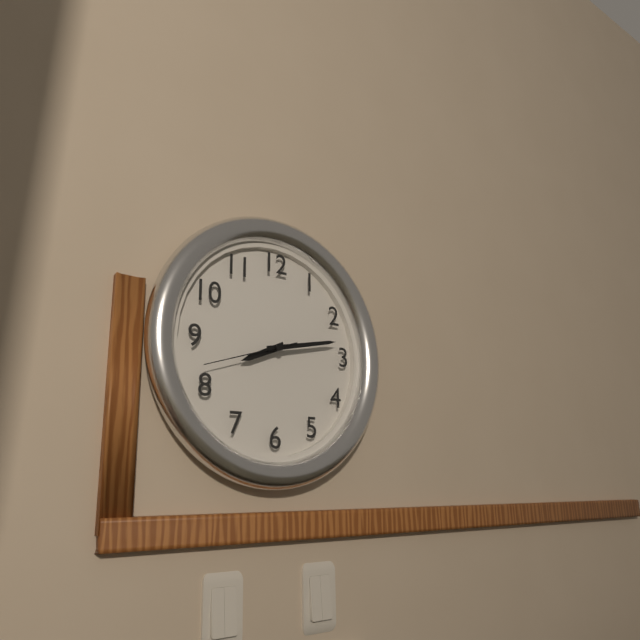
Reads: 8,13,42
